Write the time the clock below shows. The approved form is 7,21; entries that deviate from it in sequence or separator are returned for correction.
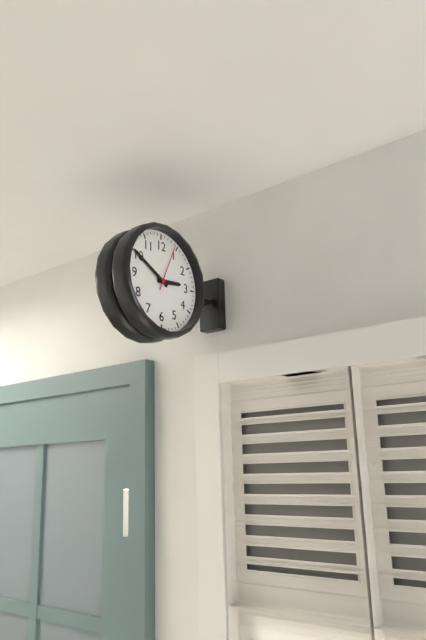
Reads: 2,50
